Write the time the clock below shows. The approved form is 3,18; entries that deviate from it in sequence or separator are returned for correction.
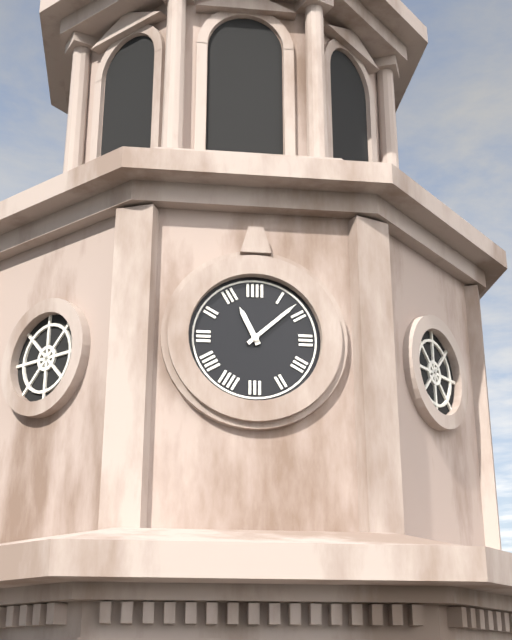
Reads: 11,08
